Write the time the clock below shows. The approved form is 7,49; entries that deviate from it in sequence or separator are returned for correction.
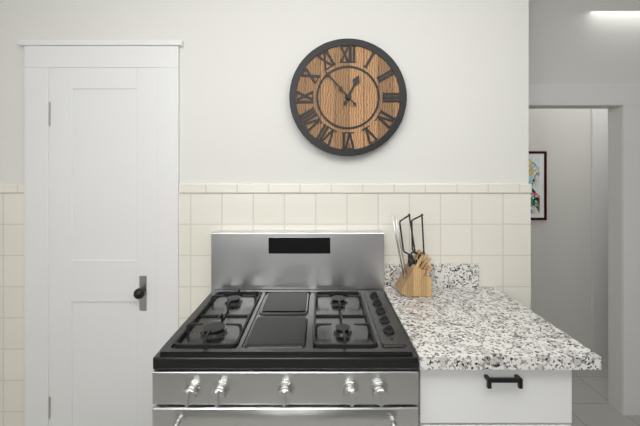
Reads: 12,53
